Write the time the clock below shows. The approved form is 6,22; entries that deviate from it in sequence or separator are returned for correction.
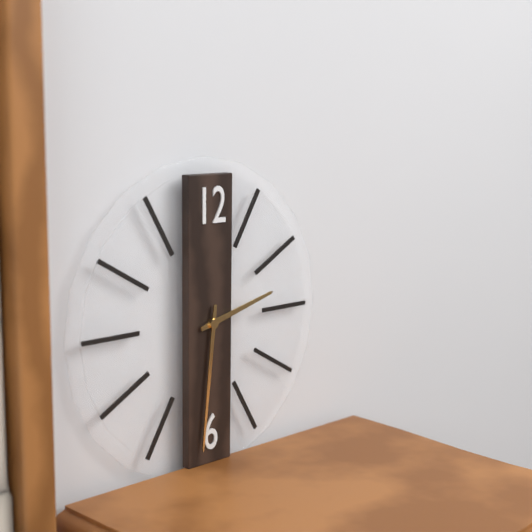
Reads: 2,31
